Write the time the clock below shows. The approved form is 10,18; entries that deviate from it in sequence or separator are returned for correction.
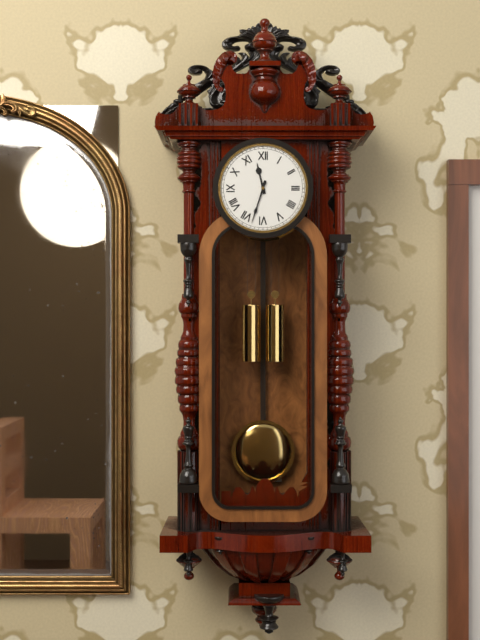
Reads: 11,33
